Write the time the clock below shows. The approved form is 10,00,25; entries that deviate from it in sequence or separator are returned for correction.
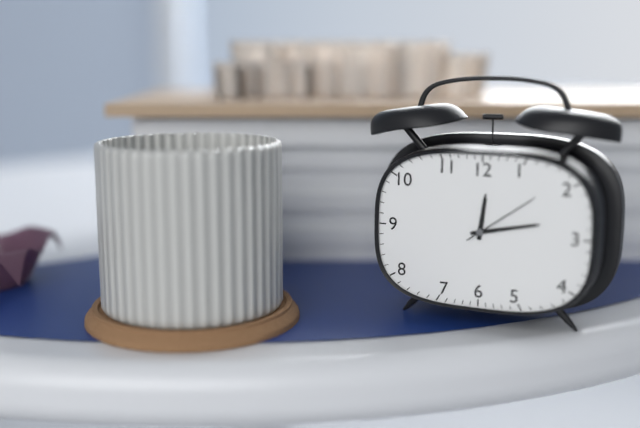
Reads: 12,13,09
